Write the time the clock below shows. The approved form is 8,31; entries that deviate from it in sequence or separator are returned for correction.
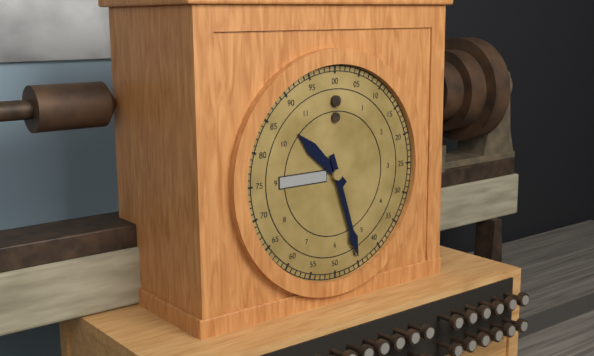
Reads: 10,27
